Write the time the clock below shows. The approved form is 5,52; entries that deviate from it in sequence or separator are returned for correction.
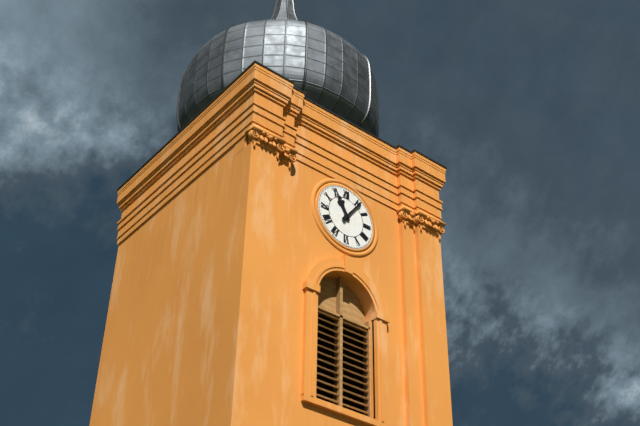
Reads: 11,06
